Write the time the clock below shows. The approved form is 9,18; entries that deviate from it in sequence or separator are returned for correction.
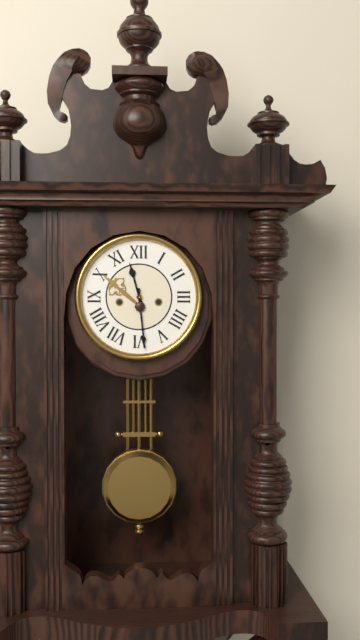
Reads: 11,29
